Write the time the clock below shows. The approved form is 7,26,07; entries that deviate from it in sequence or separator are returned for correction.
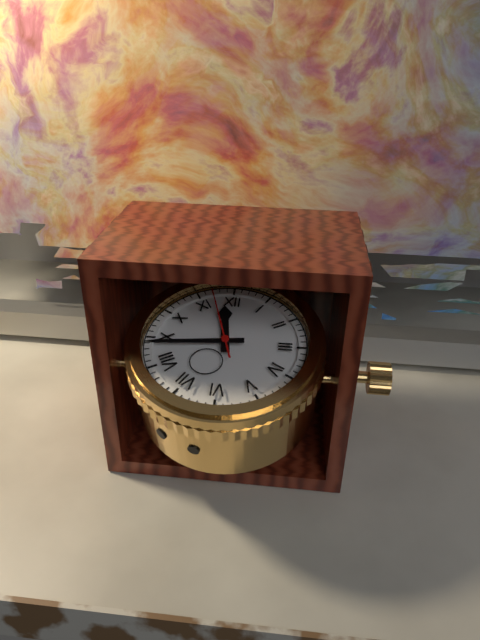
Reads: 11,44,57
